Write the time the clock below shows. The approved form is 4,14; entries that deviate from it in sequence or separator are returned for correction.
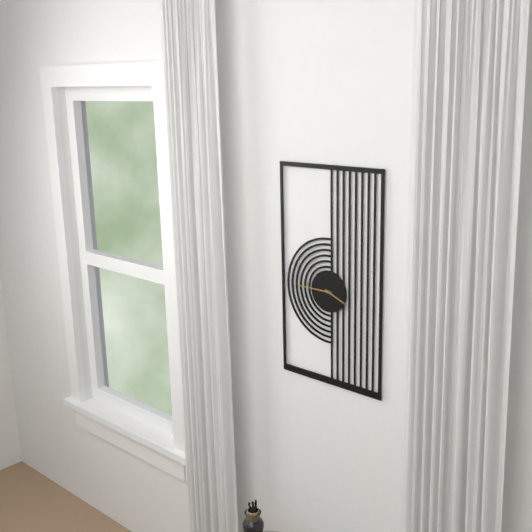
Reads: 3,45
